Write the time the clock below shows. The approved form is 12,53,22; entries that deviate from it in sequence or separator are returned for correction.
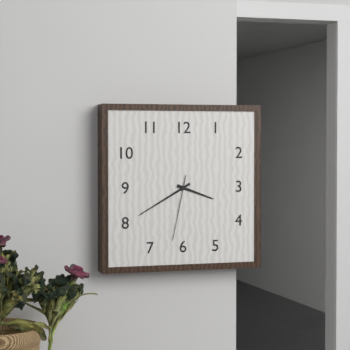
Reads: 3,40,32
